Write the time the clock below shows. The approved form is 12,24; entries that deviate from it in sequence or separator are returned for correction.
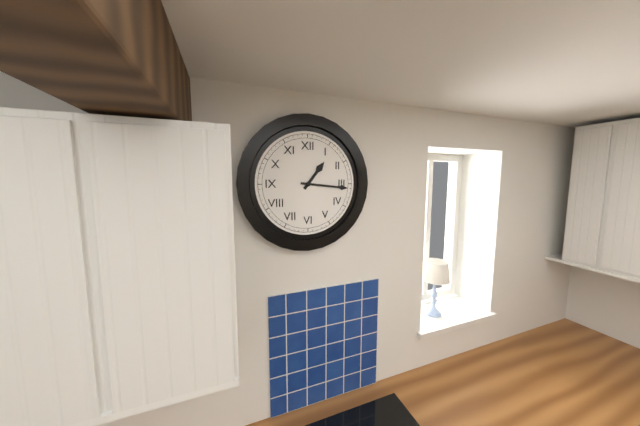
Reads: 1,16
